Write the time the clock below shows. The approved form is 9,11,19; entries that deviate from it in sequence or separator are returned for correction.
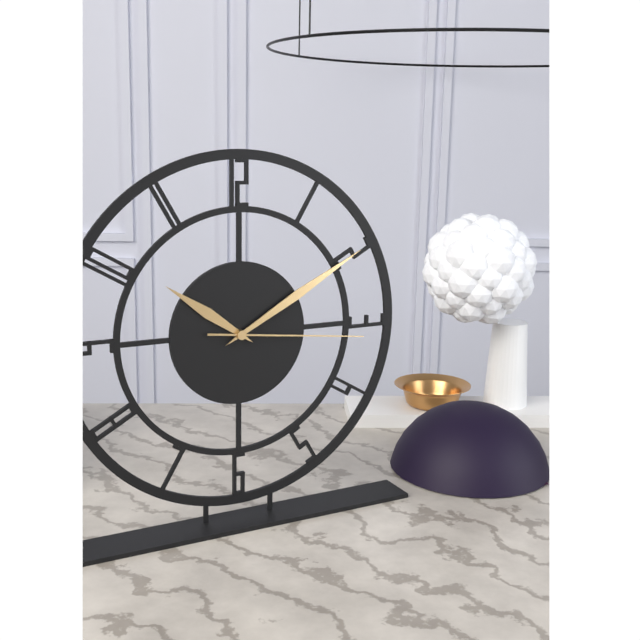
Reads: 10,10,16
